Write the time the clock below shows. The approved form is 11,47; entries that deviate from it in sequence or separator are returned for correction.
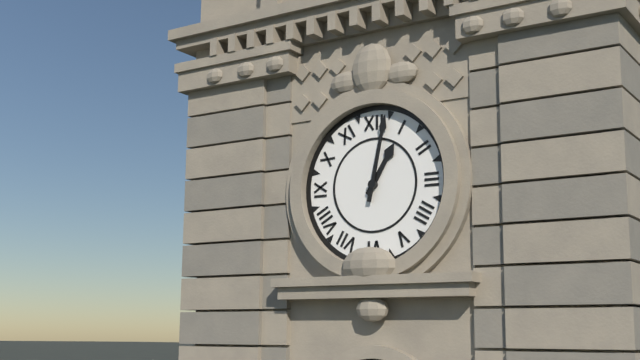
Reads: 1,02
